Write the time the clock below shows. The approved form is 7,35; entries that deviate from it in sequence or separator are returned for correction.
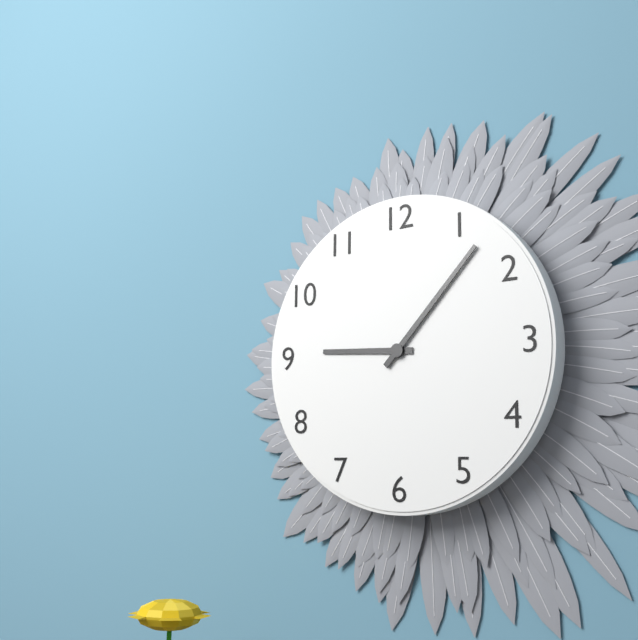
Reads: 9,07
